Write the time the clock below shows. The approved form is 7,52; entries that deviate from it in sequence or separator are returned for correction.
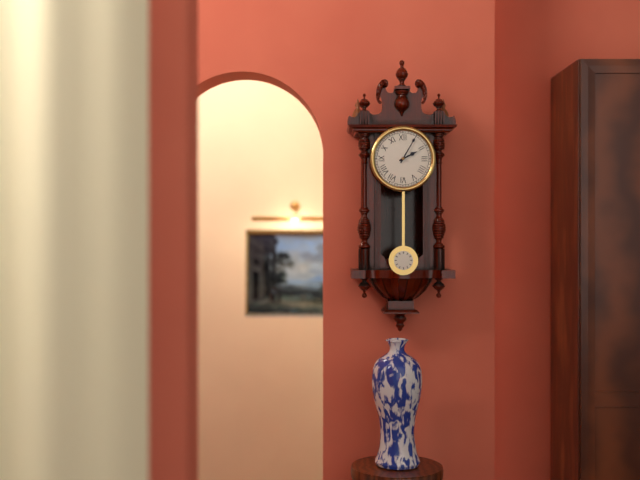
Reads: 2,05
